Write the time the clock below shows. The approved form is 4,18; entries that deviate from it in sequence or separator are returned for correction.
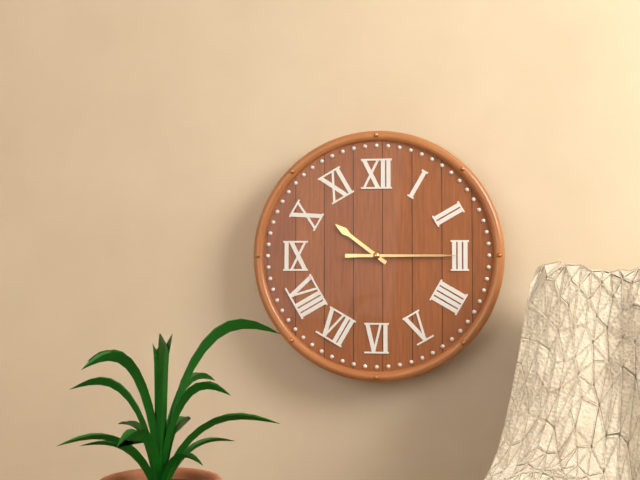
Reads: 10,15
